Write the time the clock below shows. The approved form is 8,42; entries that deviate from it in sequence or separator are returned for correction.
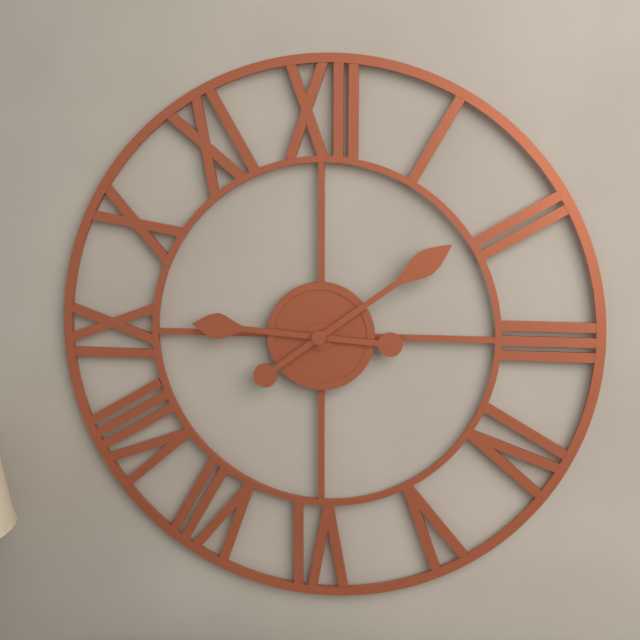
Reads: 9,09
